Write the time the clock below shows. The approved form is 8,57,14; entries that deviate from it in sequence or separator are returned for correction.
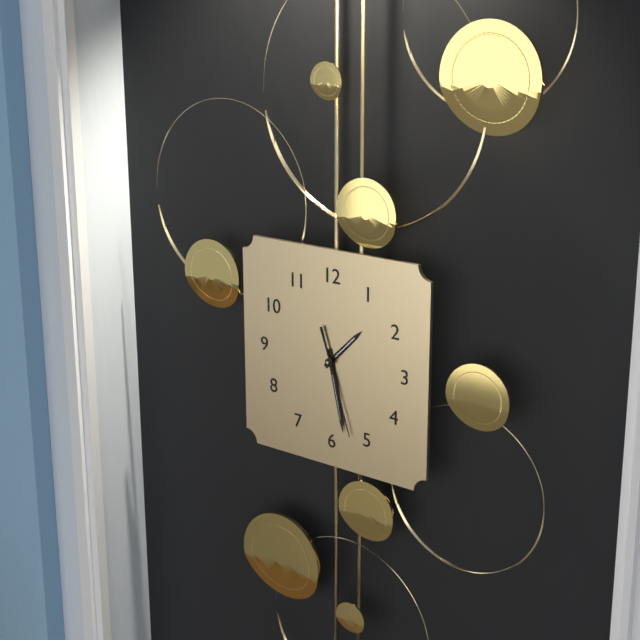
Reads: 1,28,27
